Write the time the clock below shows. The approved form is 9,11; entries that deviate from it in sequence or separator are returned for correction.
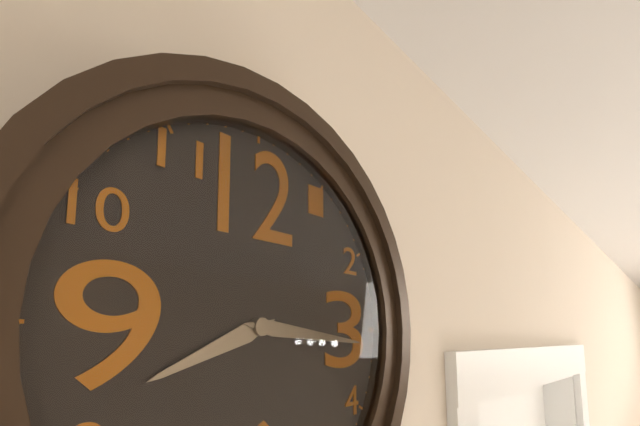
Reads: 8,16
